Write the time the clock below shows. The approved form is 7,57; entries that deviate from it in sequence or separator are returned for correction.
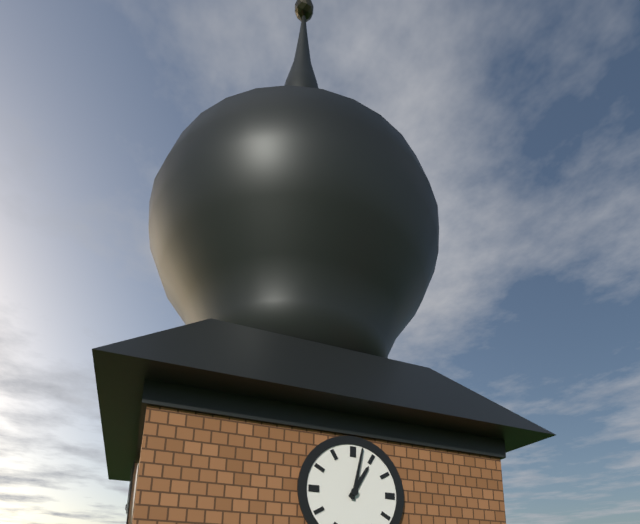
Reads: 1,02
